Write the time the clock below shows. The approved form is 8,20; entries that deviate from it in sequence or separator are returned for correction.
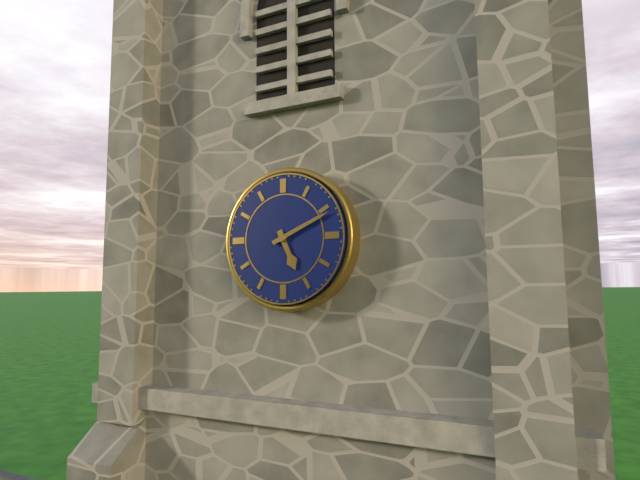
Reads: 5,11
